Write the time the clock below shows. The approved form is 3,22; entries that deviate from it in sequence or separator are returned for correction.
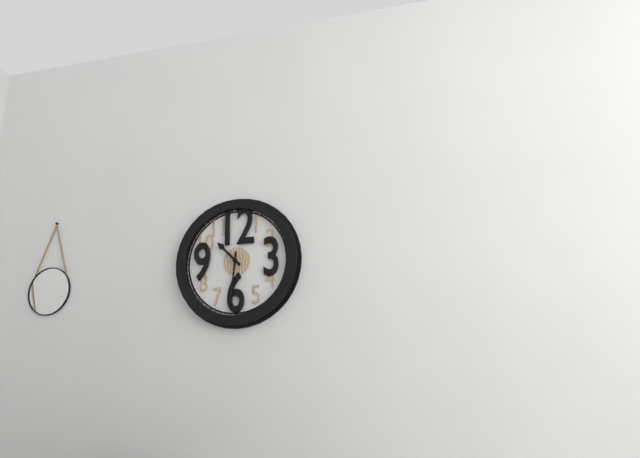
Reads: 10,31
